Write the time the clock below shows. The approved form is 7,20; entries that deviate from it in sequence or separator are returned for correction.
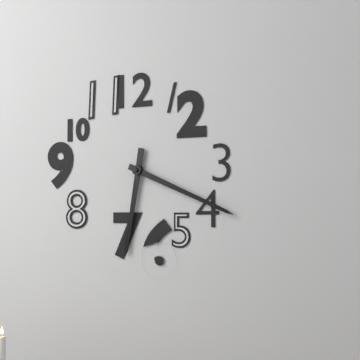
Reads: 6,19
